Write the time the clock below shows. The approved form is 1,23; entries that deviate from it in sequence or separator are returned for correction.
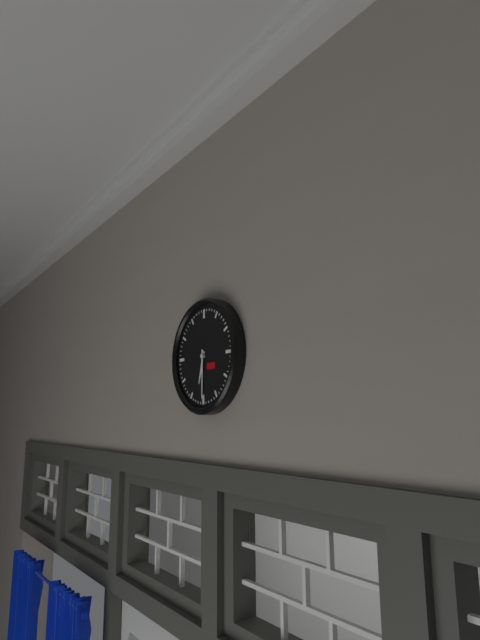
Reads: 6,30
